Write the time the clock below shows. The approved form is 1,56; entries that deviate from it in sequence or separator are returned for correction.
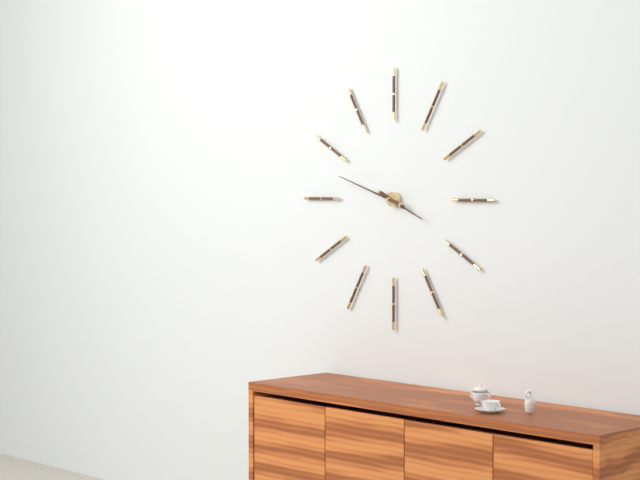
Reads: 3,48
